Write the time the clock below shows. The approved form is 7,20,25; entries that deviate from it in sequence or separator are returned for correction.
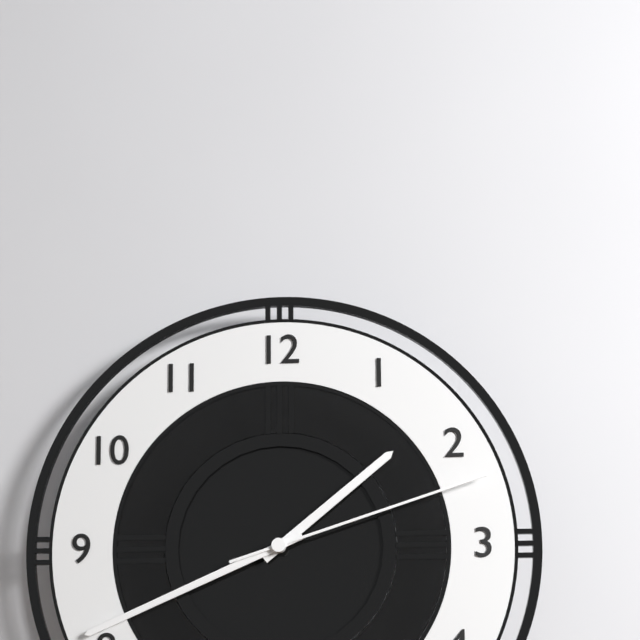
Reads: 1,41,12
